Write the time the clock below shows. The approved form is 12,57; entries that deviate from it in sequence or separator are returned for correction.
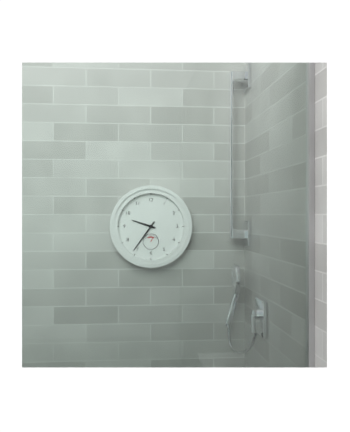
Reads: 9,36
